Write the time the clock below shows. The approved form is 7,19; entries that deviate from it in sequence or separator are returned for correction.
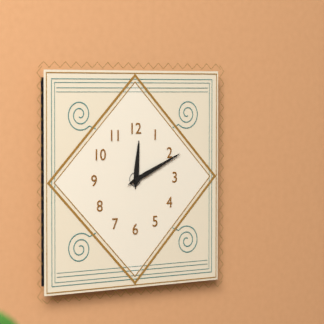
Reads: 12,11
